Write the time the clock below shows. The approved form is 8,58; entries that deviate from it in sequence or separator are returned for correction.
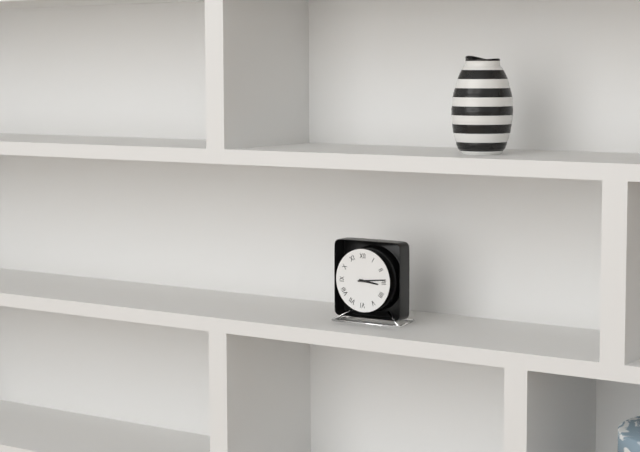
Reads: 3,14
